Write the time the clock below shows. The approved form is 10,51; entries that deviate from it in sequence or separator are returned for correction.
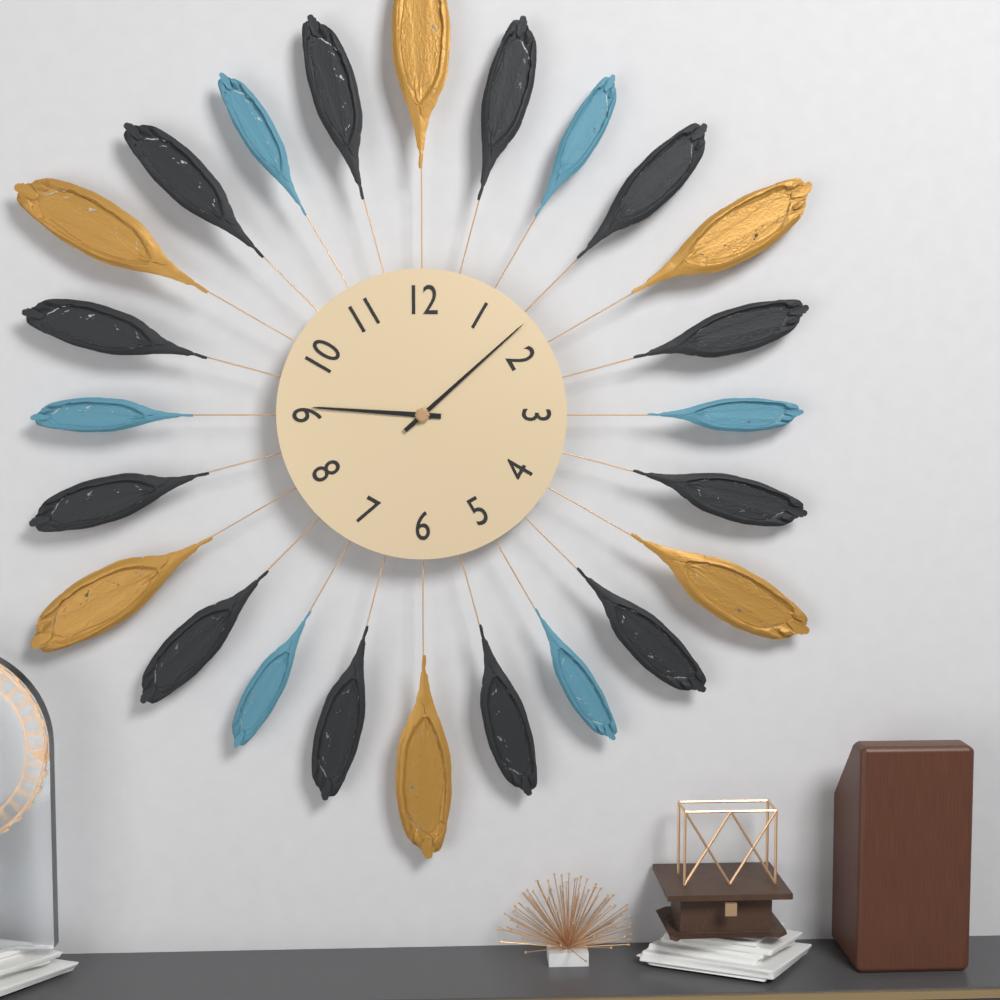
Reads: 9,08
